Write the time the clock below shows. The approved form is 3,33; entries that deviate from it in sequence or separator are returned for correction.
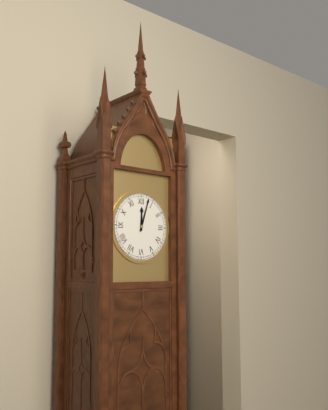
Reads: 12,03
